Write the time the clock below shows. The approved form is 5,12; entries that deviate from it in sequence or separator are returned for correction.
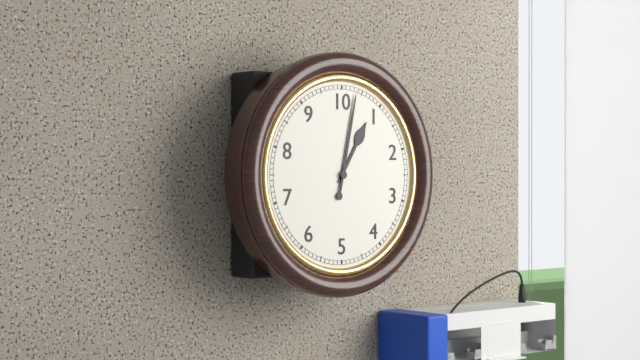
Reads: 1,02
